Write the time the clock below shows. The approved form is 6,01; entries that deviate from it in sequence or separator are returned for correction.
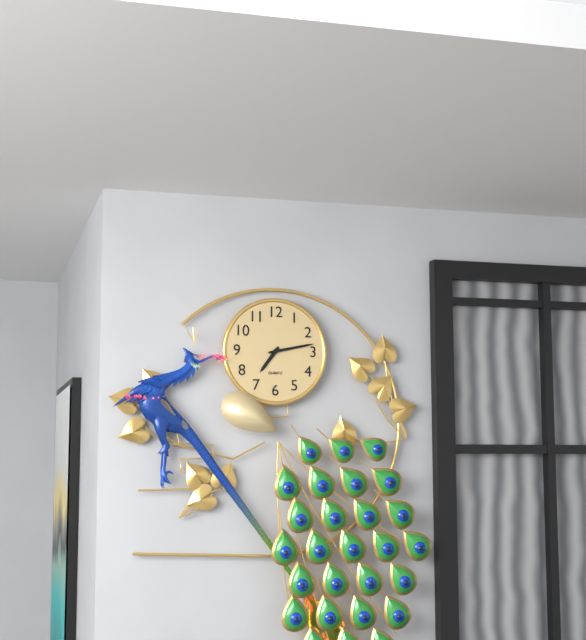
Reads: 7,13
